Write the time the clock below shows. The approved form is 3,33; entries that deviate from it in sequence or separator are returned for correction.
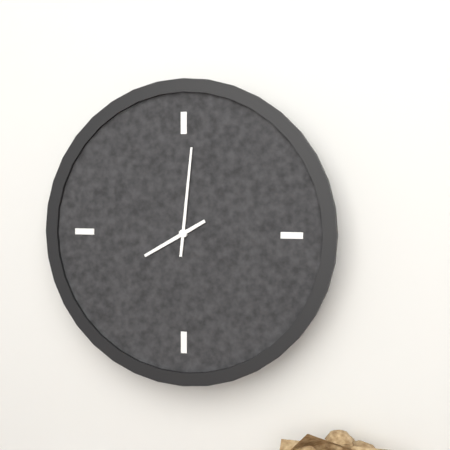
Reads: 8,01
